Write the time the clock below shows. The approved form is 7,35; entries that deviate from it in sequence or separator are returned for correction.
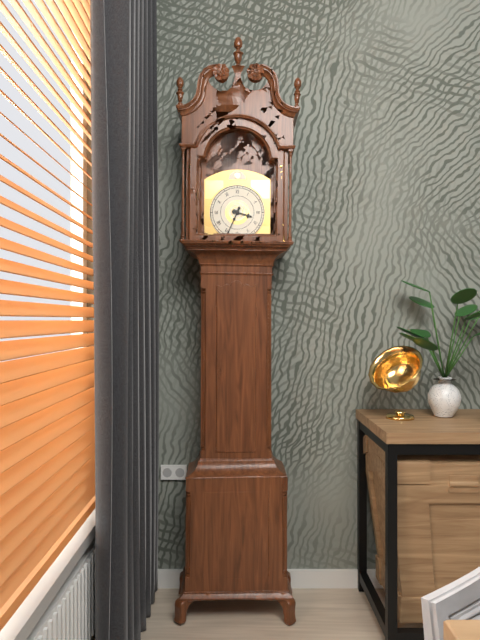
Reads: 3,34
